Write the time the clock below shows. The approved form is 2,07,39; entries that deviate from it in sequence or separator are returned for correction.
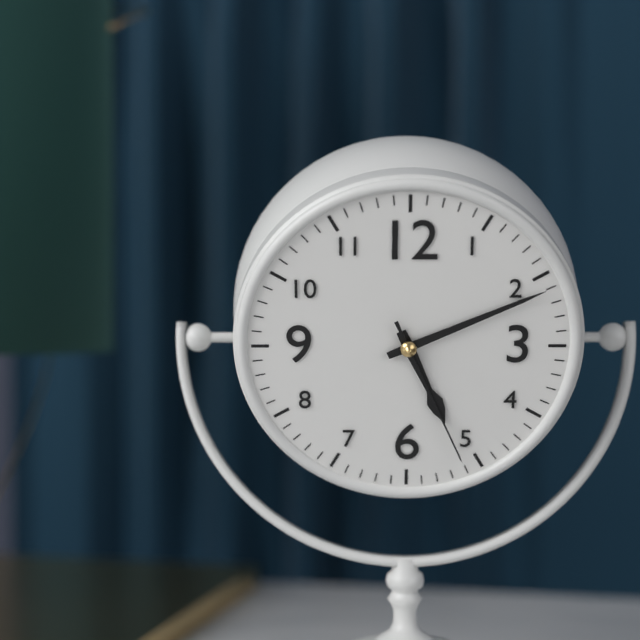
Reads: 5,11,26
